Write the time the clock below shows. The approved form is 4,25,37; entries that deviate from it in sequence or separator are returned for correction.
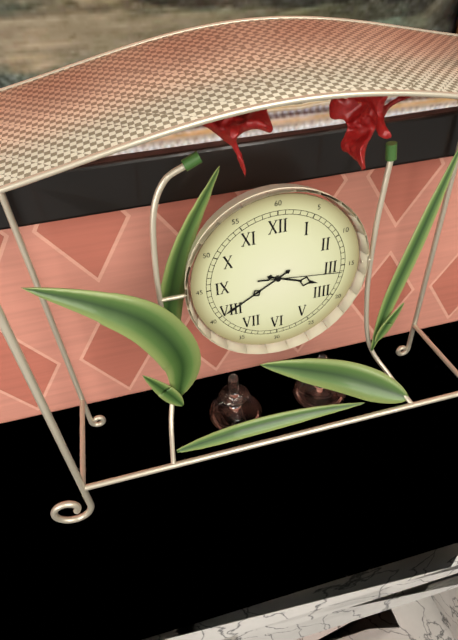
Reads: 3,40,16
